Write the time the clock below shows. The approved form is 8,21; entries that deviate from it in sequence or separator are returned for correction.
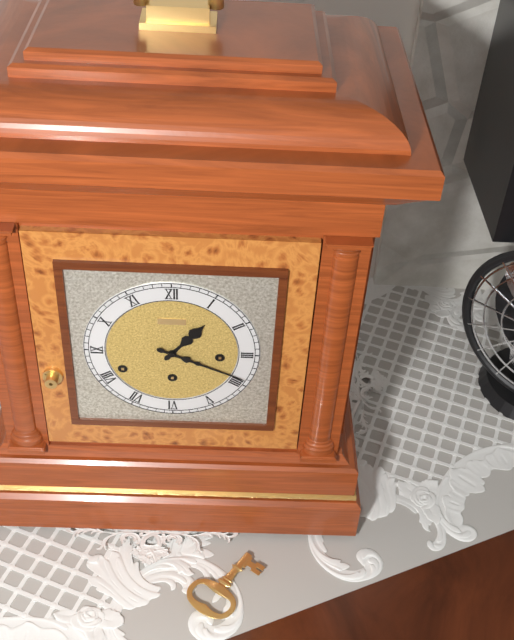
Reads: 1,19
